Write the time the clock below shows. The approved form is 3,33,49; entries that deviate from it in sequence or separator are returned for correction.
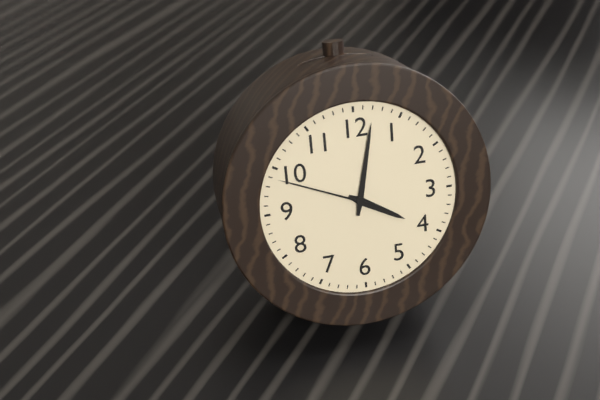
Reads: 4,02,49
